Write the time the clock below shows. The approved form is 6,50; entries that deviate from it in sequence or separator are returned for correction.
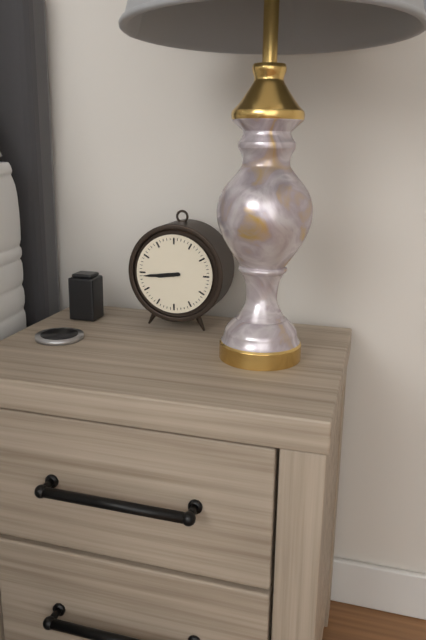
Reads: 8,44
